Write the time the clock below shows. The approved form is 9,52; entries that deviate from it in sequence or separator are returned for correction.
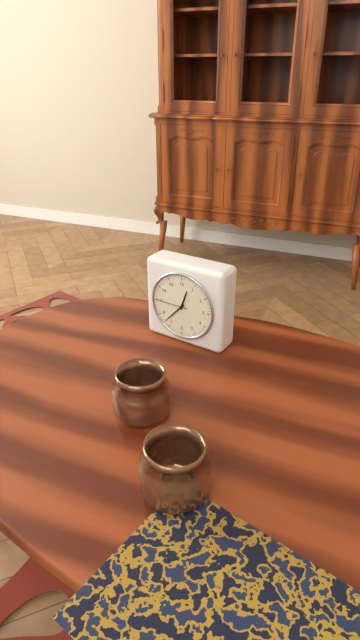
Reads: 12,37
